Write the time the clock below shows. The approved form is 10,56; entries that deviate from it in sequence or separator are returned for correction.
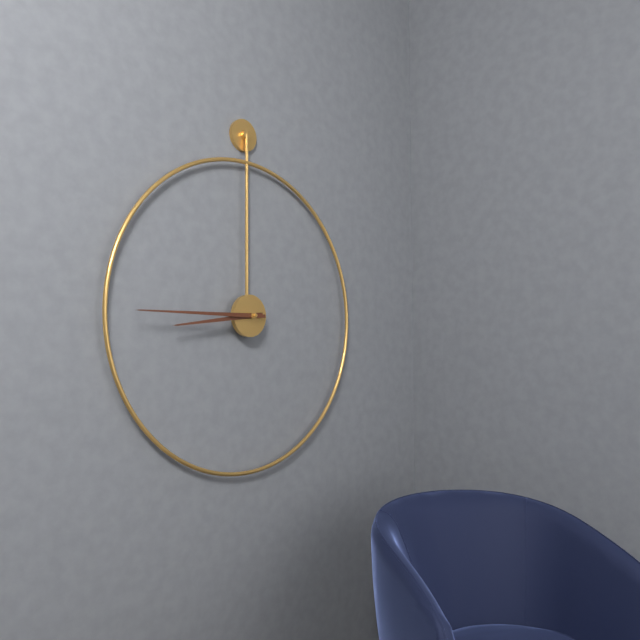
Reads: 8,45
